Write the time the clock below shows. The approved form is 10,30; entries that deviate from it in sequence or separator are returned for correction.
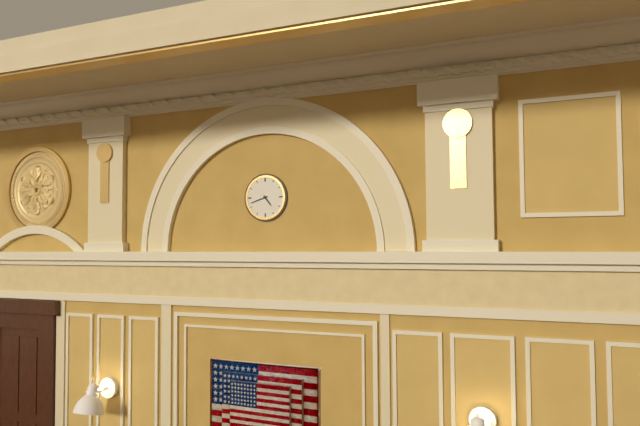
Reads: 4,42
